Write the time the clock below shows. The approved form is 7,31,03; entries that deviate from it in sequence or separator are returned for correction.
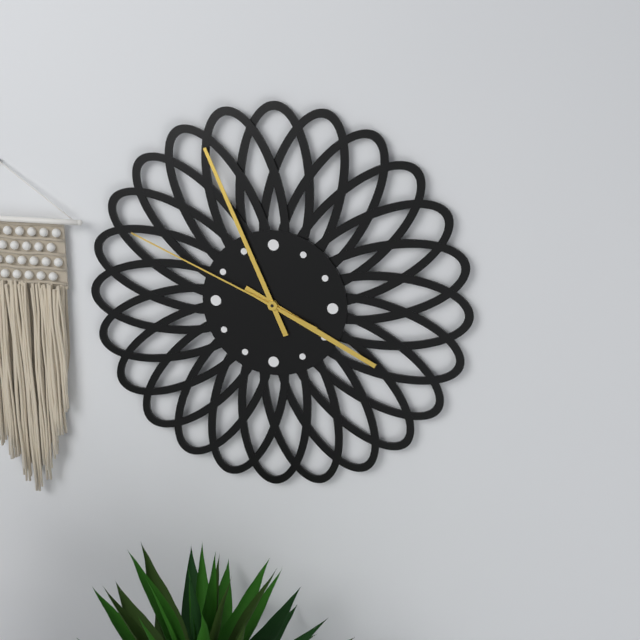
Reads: 3,56,49
